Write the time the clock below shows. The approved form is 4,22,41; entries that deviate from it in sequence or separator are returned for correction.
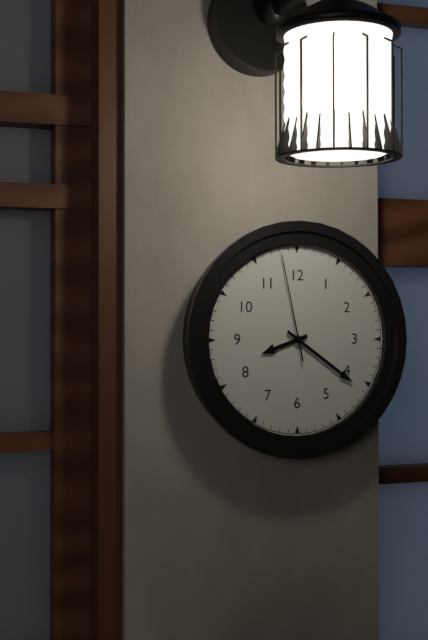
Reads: 8,21,58
